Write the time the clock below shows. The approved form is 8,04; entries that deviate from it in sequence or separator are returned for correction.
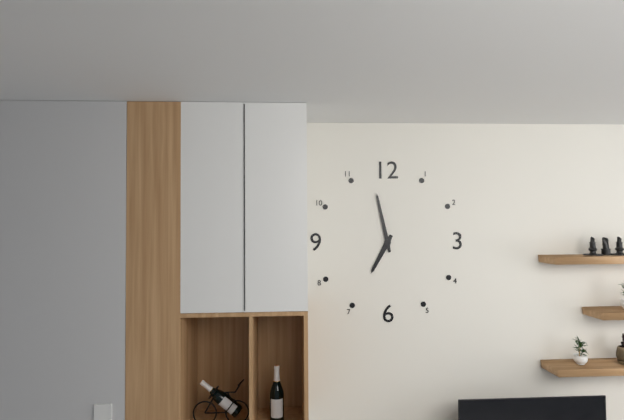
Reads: 6,58
